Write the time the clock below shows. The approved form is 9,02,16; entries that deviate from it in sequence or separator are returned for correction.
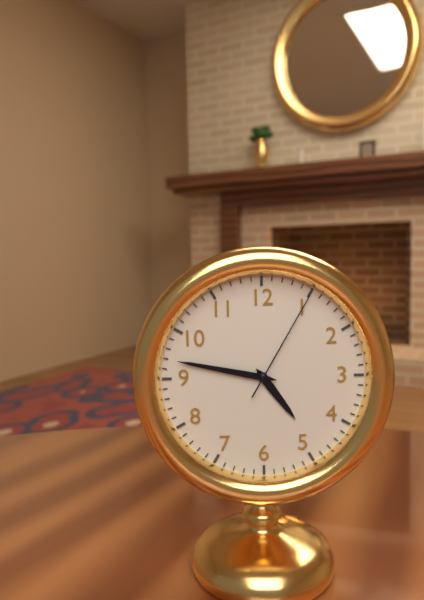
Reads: 4,47,05
